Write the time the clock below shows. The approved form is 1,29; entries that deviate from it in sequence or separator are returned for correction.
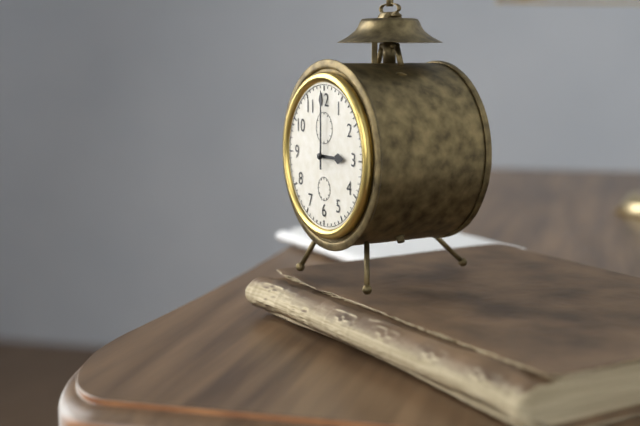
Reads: 3,00
